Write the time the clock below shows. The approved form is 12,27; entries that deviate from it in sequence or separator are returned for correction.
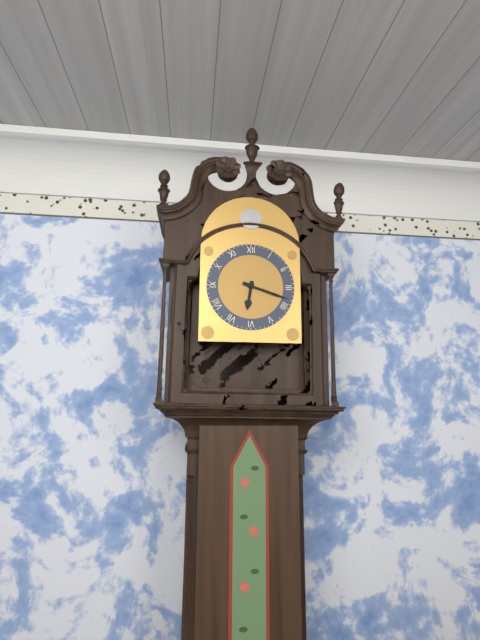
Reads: 6,18
